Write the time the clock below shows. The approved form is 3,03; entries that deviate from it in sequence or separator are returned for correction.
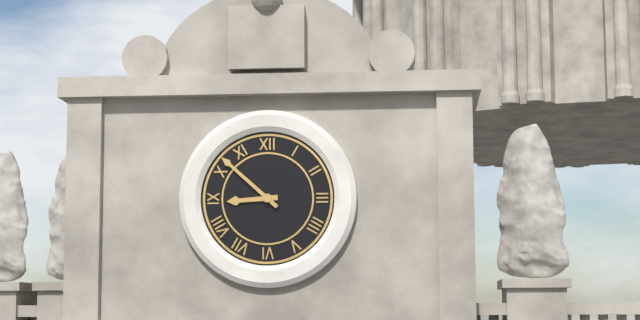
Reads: 8,52
